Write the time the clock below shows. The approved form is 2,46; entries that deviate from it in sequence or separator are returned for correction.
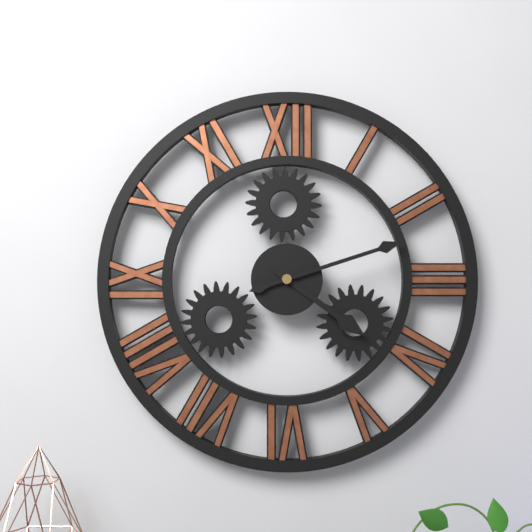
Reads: 4,12
